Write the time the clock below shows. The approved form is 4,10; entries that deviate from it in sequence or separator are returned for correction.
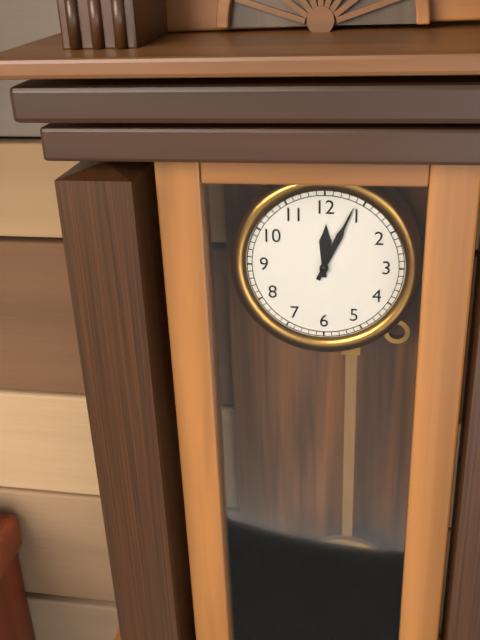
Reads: 12,04
